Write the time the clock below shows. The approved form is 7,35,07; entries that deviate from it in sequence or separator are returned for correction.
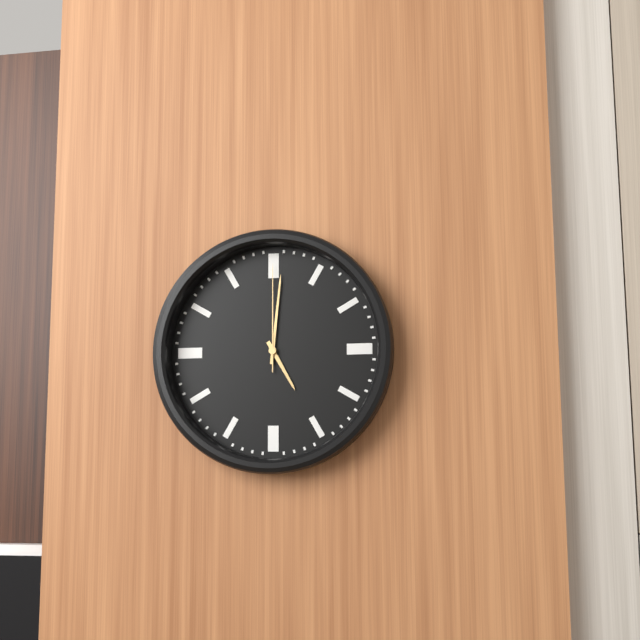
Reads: 5,01,00
